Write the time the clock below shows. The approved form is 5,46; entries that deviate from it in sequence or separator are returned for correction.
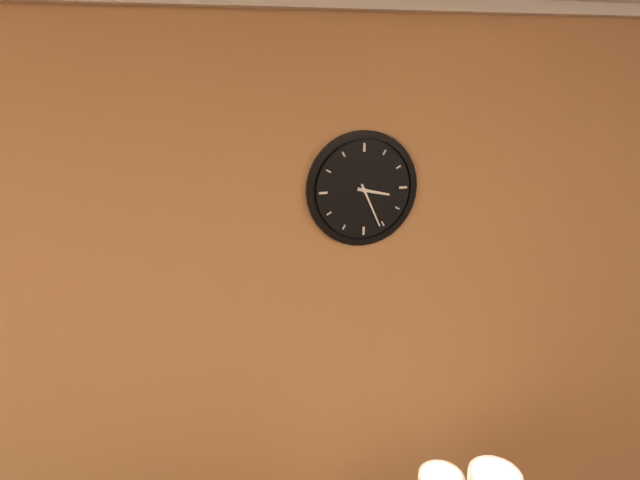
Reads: 3,26
